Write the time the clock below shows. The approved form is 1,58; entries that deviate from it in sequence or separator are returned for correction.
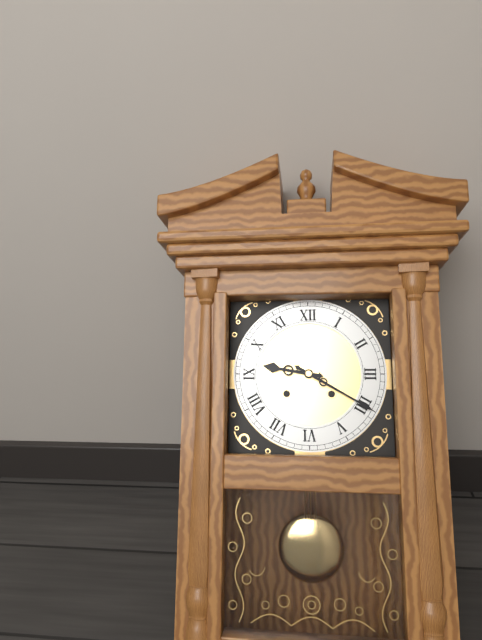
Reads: 9,20
